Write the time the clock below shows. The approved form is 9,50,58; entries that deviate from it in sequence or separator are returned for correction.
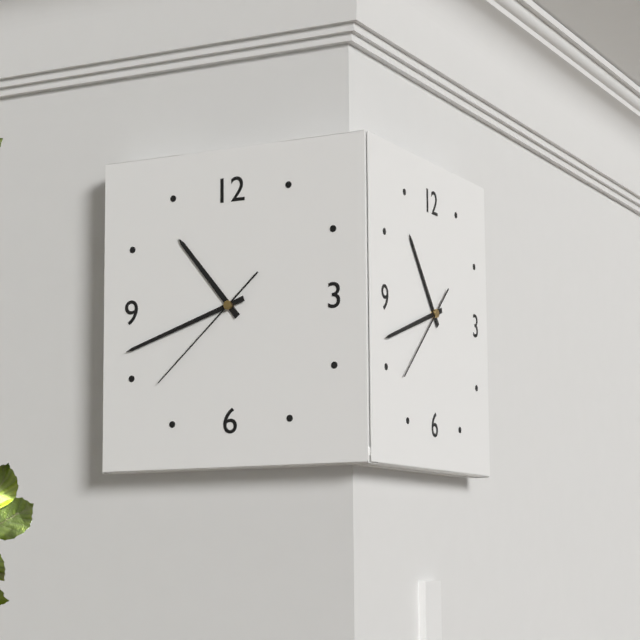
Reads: 10,42,38
